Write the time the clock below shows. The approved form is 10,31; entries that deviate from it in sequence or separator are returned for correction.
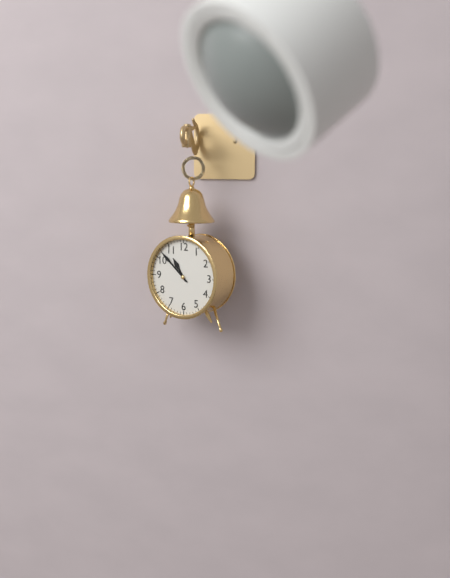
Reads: 10,52
